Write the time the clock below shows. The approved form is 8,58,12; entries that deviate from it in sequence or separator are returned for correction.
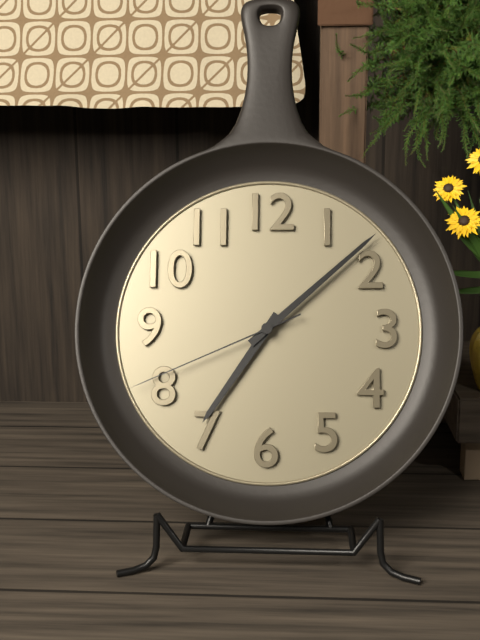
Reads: 7,08,41
